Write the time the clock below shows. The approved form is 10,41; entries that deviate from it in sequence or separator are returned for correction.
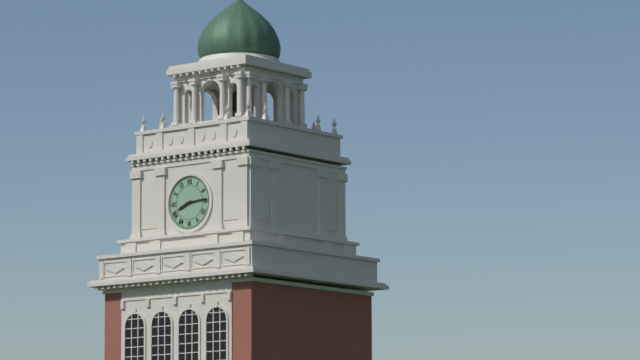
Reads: 8,14
